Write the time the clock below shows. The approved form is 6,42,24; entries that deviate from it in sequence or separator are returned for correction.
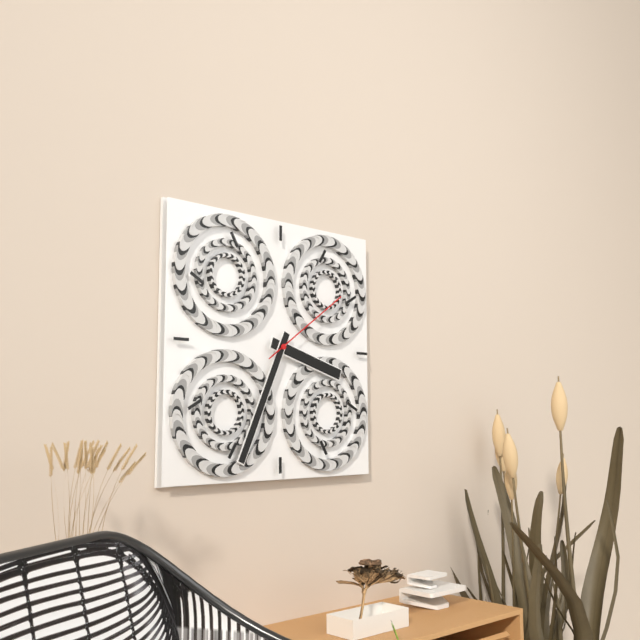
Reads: 3,34,09
